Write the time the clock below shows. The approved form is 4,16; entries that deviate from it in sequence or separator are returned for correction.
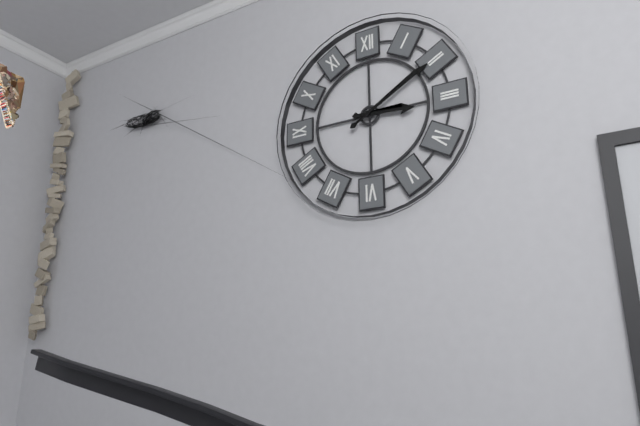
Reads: 3,10
